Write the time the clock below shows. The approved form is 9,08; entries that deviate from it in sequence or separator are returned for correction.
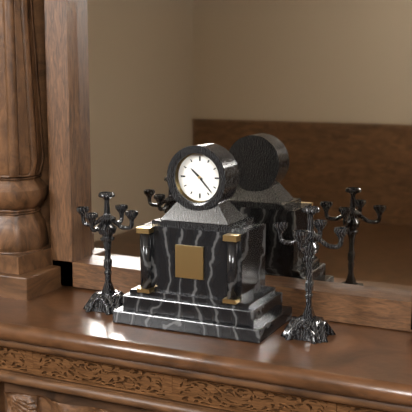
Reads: 10,23
